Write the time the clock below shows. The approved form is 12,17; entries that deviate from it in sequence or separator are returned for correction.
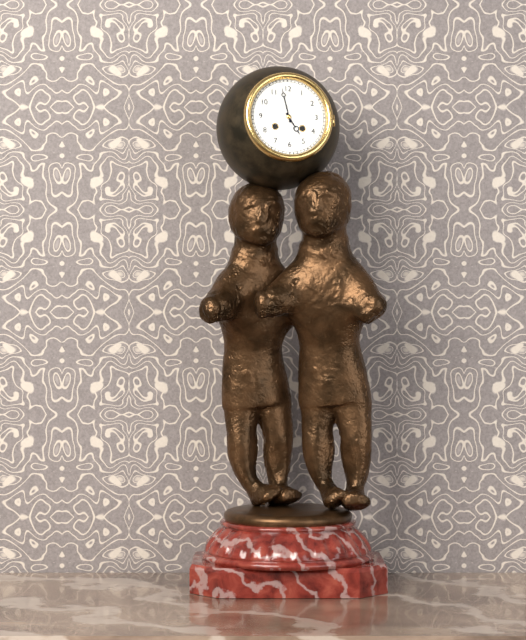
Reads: 4,58
